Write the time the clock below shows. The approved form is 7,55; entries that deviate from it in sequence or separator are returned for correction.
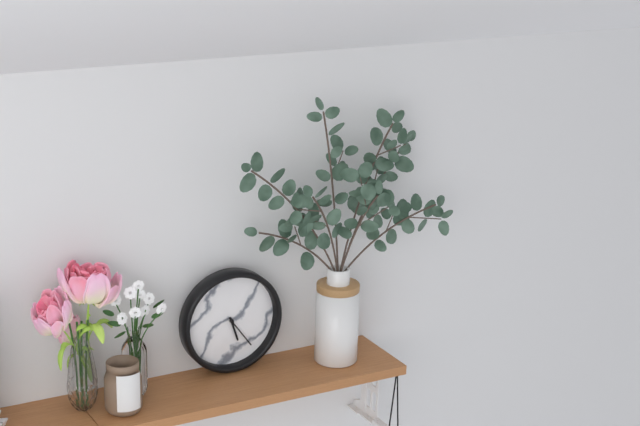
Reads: 5,24
